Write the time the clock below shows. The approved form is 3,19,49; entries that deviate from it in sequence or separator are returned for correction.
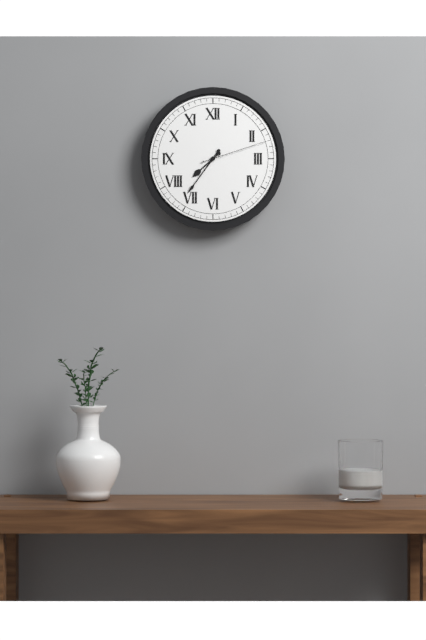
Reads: 7,36,12
